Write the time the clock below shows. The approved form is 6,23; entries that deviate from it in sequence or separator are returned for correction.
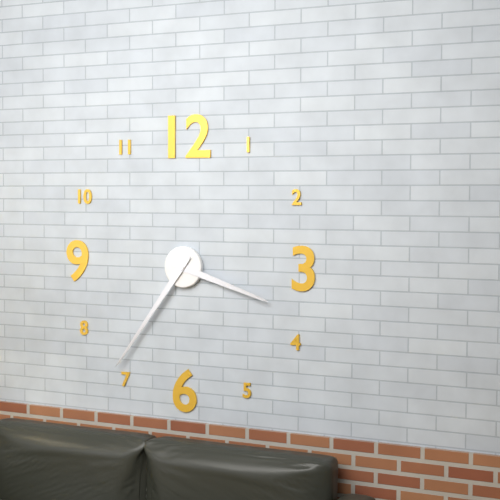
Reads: 3,36
